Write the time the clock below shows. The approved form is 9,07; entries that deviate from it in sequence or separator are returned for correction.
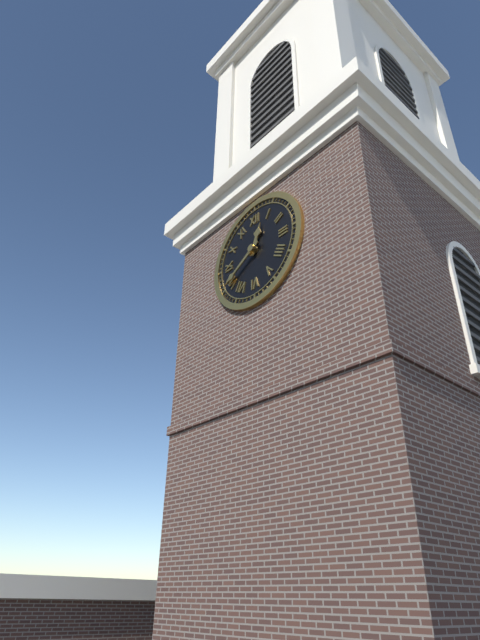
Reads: 12,40
